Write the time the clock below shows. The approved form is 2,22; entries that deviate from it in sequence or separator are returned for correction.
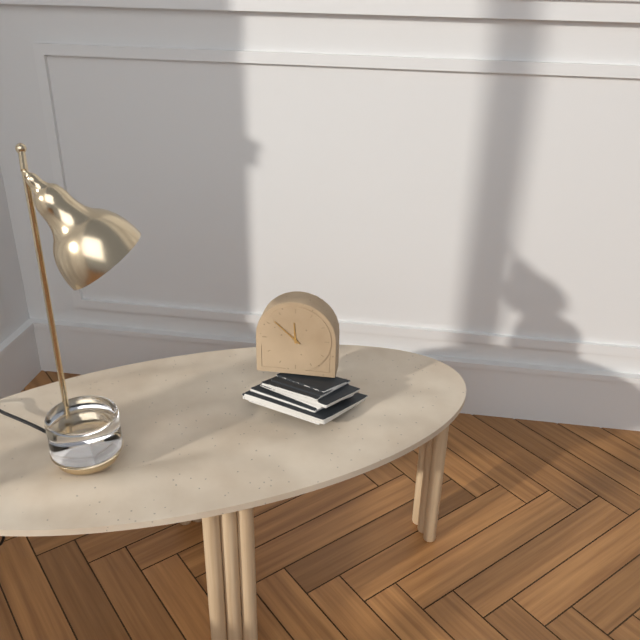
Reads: 11,52
